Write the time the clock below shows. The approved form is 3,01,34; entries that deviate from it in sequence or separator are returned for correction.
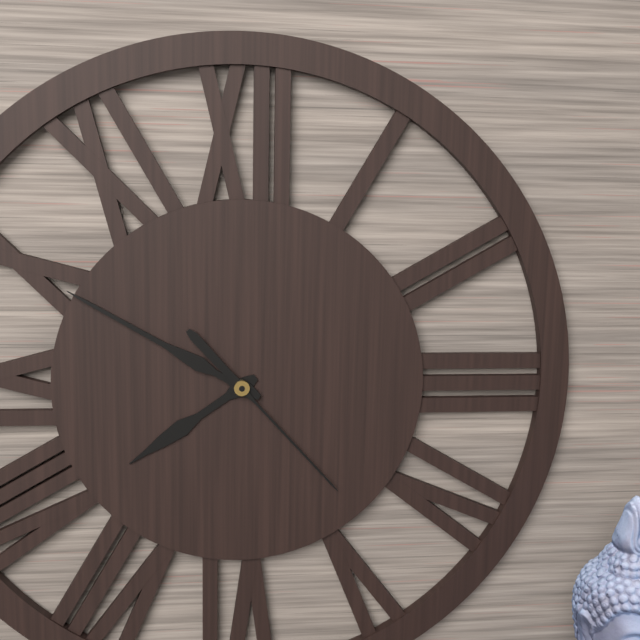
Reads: 7,50,23
